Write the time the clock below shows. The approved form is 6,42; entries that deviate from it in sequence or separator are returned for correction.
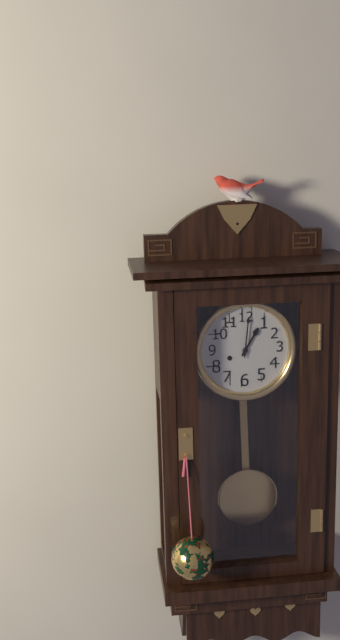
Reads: 1,01
